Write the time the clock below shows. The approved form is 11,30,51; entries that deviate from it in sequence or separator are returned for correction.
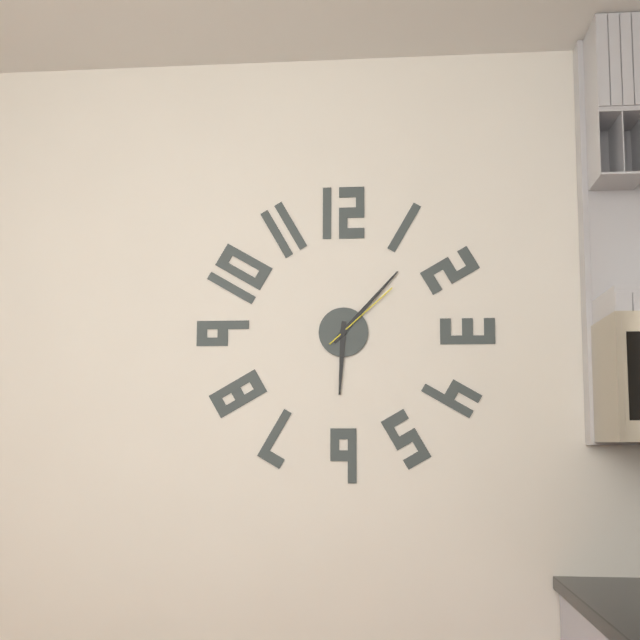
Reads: 6,07,08
